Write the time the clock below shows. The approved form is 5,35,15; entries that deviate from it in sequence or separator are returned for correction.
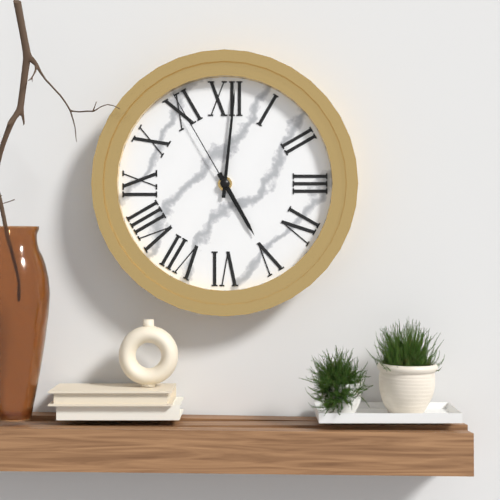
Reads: 5,01,55
